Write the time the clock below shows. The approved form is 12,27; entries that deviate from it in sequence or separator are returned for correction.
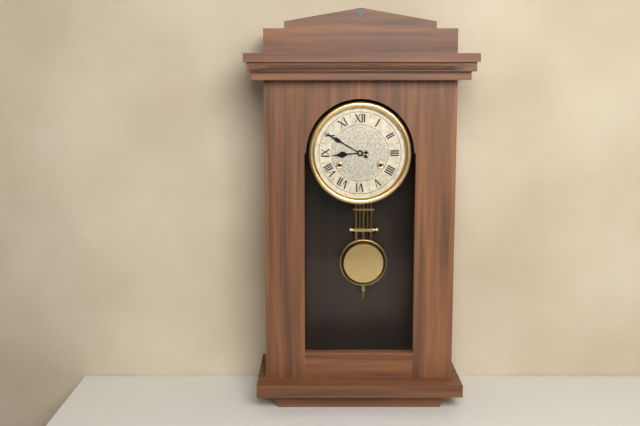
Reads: 8,50
